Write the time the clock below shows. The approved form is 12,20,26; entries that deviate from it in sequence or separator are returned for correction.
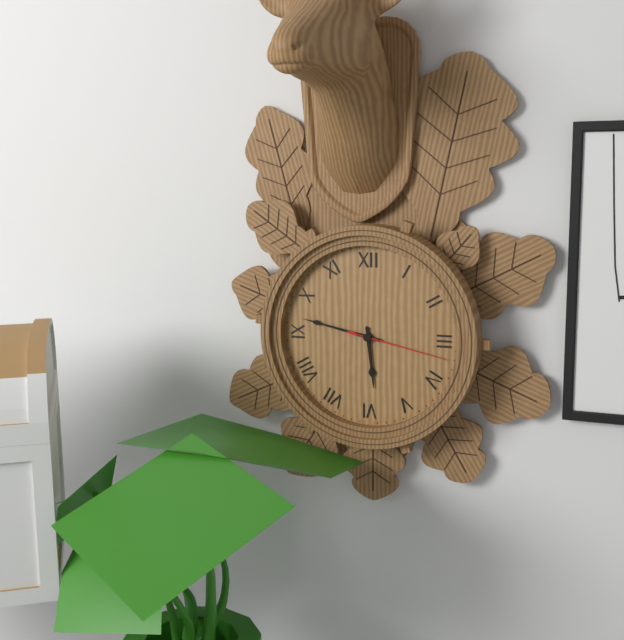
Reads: 5,47,17
